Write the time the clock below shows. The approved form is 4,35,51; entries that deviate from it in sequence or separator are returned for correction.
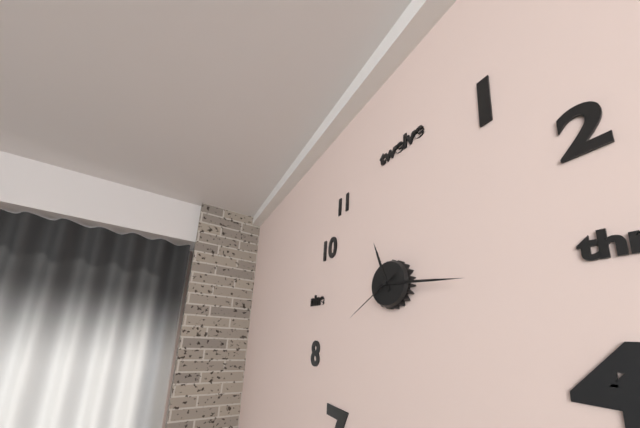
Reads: 11,16,40
